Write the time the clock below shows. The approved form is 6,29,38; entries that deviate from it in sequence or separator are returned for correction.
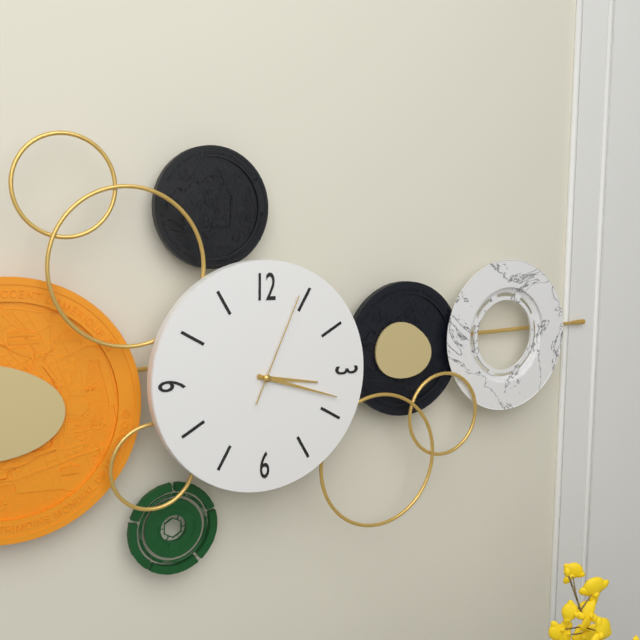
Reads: 3,18,04
